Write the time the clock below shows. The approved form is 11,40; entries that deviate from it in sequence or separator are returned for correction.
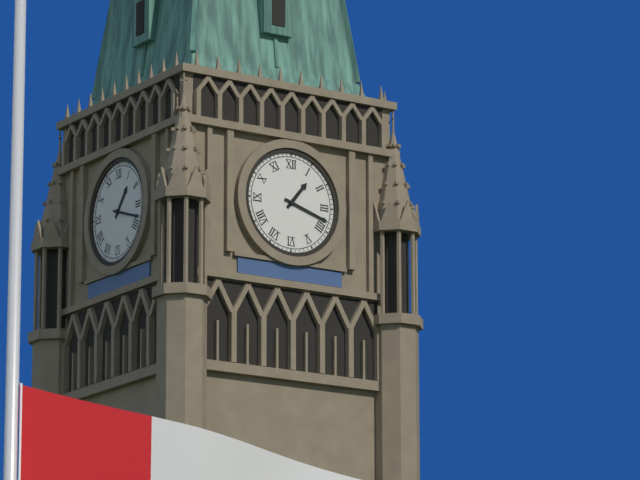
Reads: 1,18
